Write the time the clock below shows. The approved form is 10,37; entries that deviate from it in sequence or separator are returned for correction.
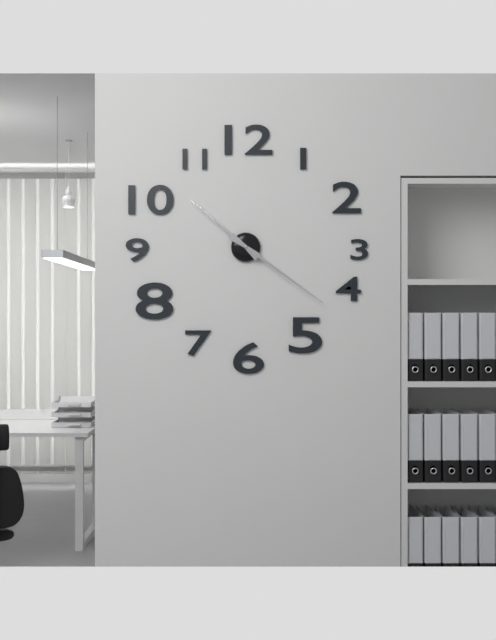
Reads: 10,21
